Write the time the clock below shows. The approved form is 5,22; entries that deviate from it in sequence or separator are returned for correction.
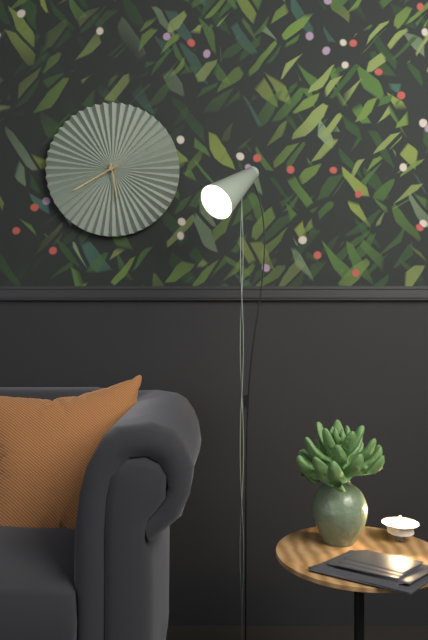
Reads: 5,40
